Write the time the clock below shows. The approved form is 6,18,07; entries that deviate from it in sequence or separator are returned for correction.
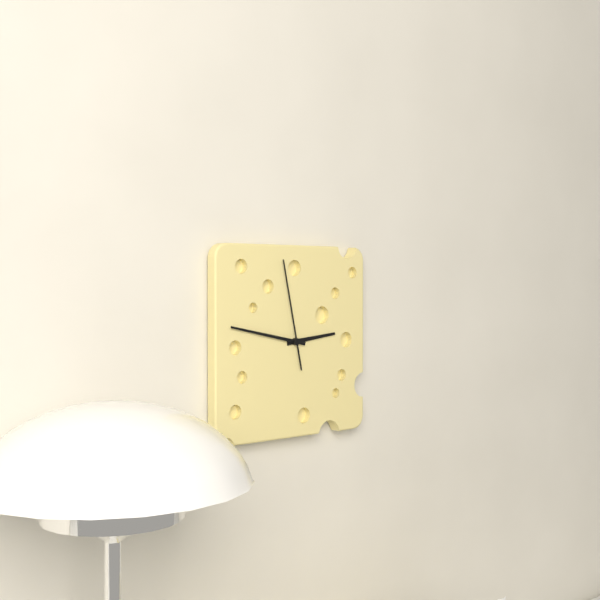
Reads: 2,47,58
